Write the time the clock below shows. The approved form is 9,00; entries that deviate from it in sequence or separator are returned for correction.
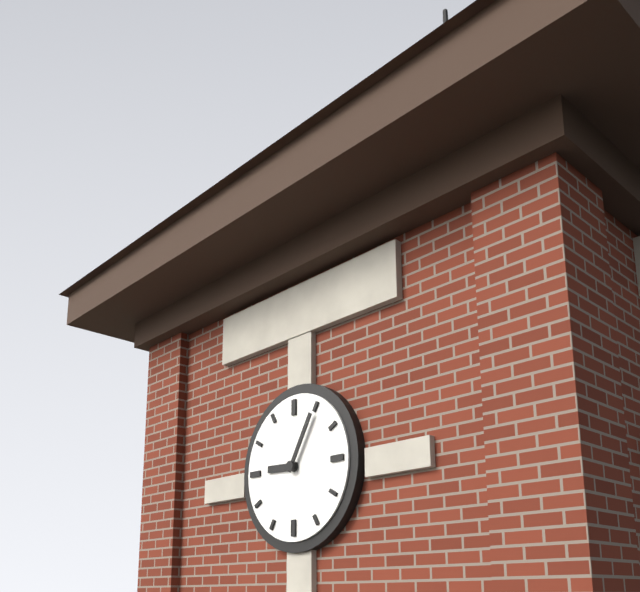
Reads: 9,05
